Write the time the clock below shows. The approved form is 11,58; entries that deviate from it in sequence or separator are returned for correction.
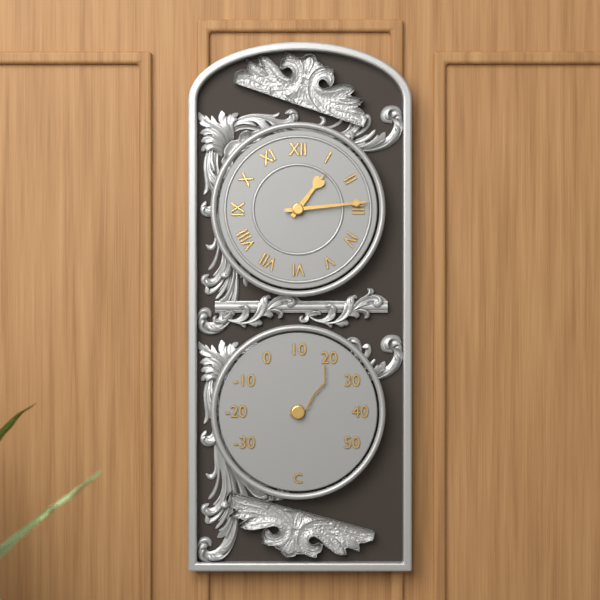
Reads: 1,14
